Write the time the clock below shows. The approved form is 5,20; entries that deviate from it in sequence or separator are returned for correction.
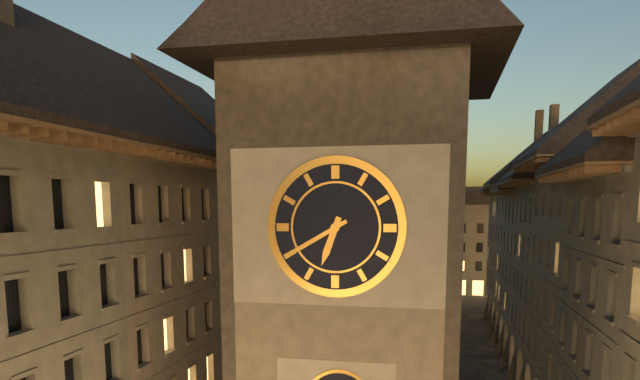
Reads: 6,40
